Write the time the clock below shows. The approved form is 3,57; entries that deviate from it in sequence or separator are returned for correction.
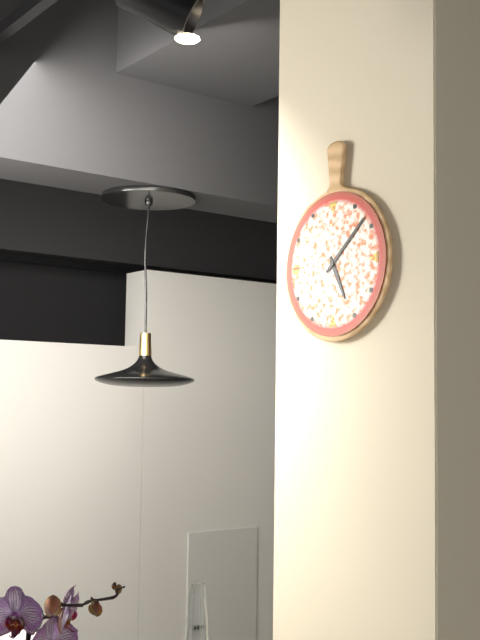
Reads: 5,08
